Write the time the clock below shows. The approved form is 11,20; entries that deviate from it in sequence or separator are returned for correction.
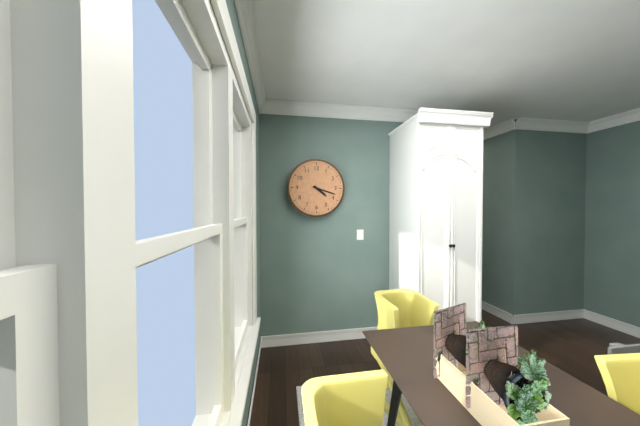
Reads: 4,18
